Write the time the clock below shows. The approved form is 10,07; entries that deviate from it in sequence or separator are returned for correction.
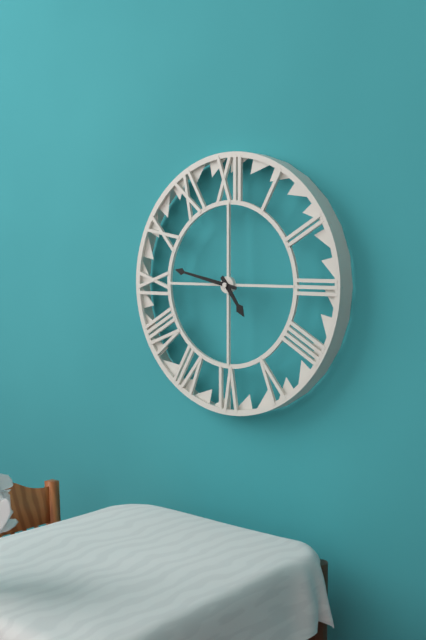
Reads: 4,47
